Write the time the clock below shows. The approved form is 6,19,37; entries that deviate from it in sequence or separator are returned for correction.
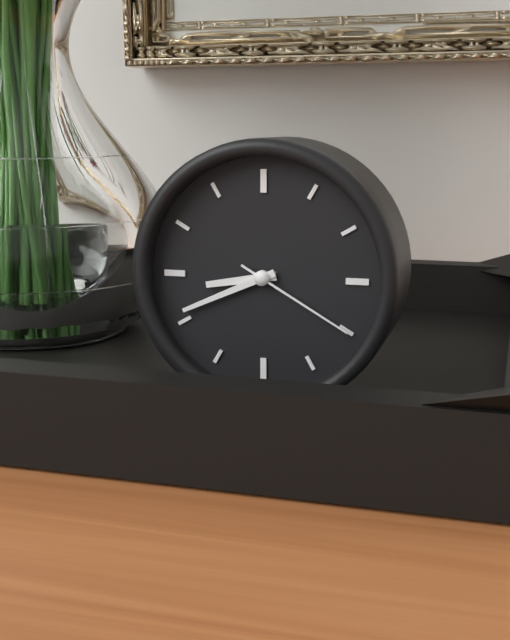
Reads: 8,41,20
